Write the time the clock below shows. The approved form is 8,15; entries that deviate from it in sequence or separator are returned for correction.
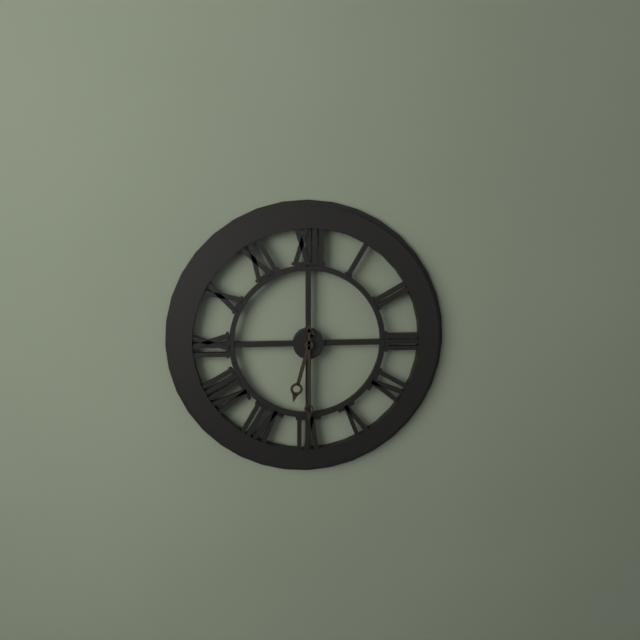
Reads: 6,30
